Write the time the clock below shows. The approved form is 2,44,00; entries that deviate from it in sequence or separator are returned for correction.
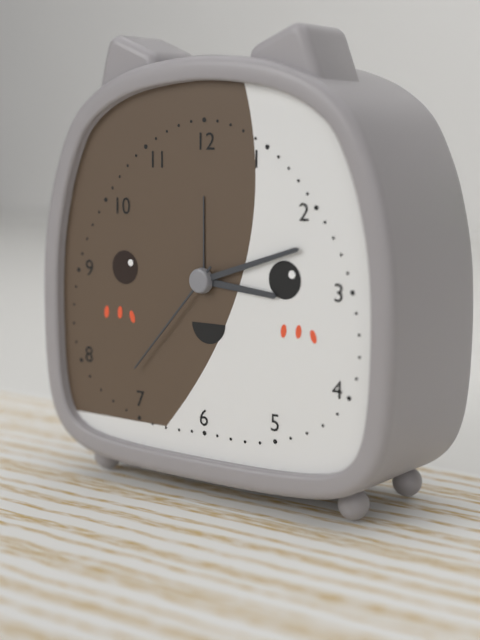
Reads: 3,12,37
